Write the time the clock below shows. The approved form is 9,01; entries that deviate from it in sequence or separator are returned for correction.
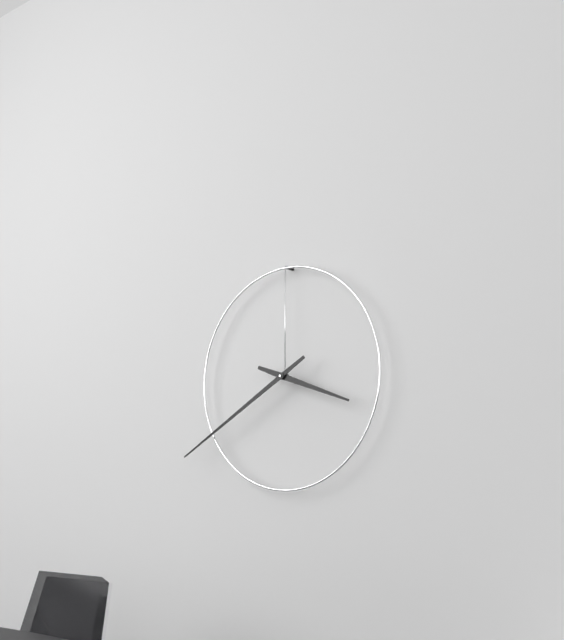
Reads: 3,40
